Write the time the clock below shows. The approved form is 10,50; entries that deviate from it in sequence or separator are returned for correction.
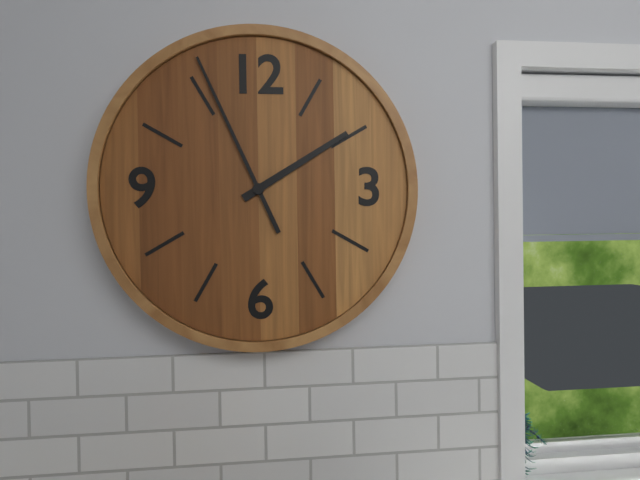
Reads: 1,56
